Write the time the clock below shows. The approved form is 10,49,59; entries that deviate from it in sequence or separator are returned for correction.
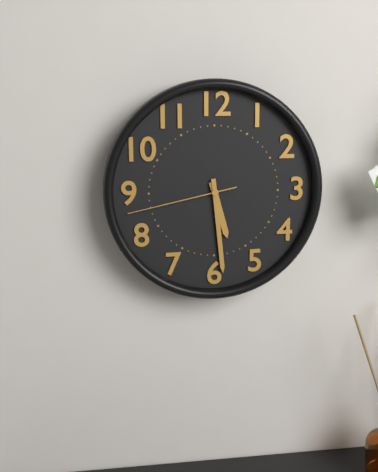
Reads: 5,29,43
